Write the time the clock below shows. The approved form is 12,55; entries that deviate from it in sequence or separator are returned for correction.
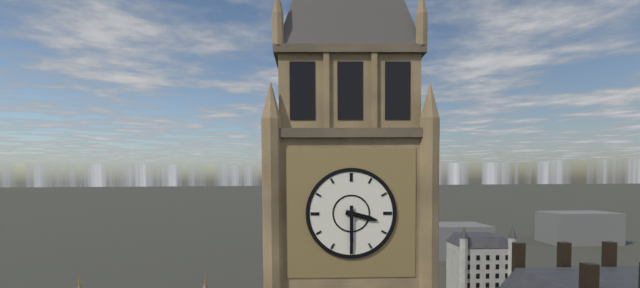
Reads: 3,30
